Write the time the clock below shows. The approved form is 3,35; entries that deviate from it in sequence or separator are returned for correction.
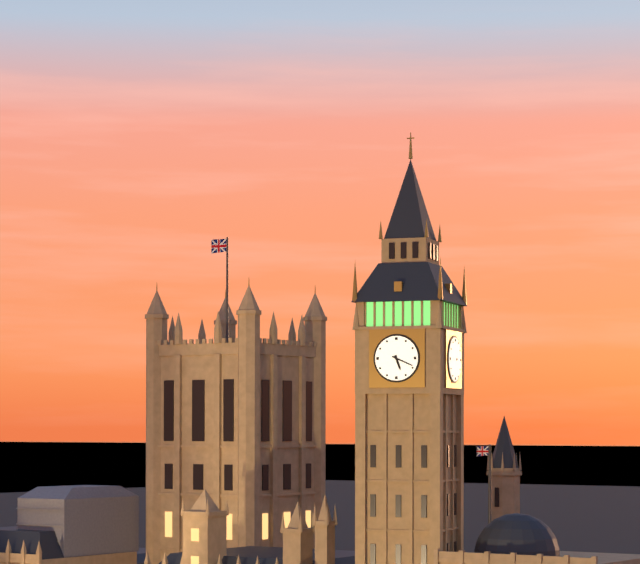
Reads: 5,19
